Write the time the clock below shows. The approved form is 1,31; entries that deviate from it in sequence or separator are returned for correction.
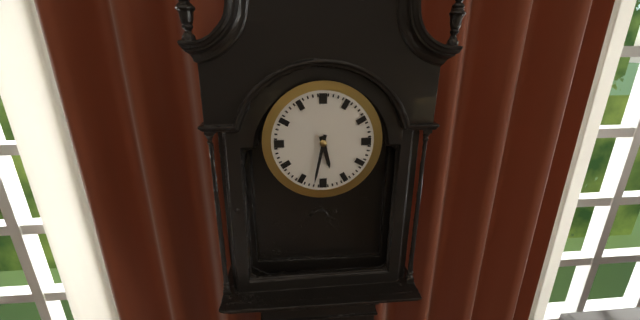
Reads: 5,32
